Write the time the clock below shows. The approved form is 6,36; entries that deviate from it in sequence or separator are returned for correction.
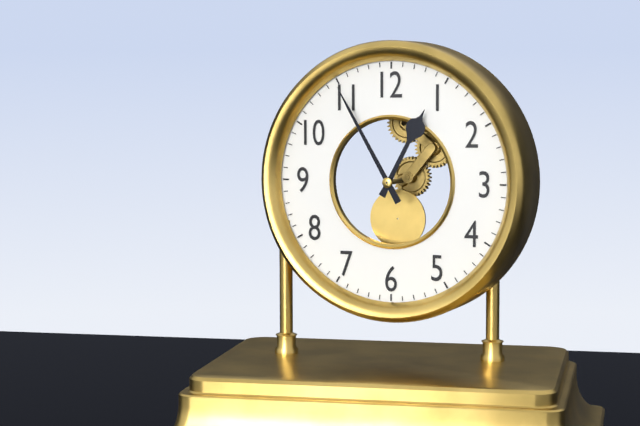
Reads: 12,55
